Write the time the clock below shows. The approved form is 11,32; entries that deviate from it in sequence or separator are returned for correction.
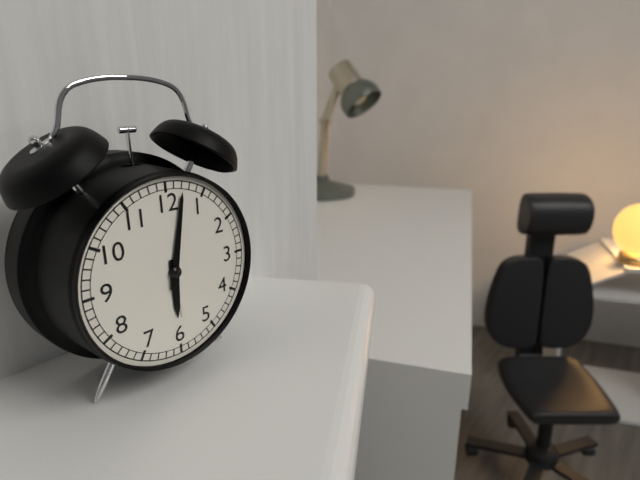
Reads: 6,02
